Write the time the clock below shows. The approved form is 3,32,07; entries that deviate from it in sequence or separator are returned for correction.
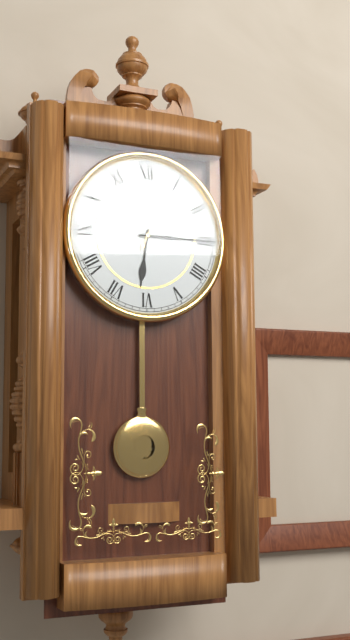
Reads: 6,15,04
